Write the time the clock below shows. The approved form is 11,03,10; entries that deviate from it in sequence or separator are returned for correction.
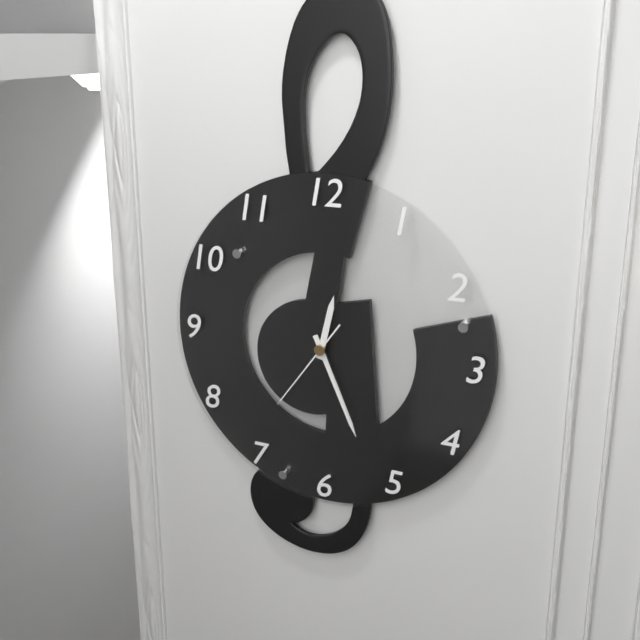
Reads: 12,26,36
